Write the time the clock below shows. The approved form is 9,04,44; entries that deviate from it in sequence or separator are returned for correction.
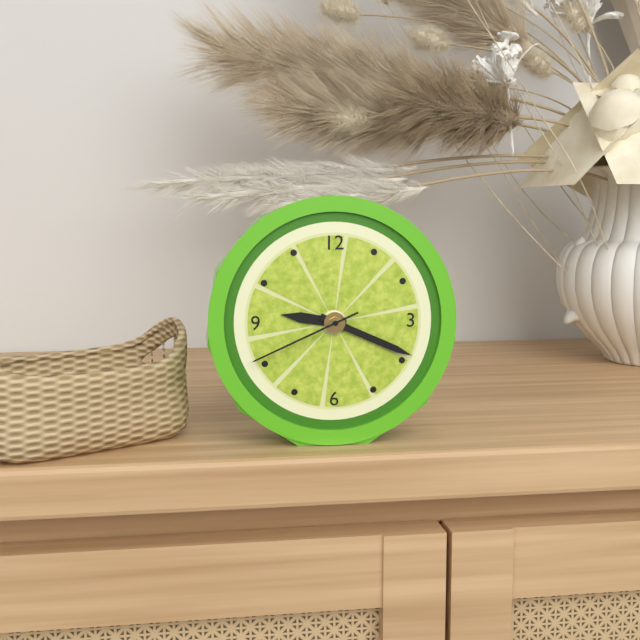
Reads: 9,19,41
